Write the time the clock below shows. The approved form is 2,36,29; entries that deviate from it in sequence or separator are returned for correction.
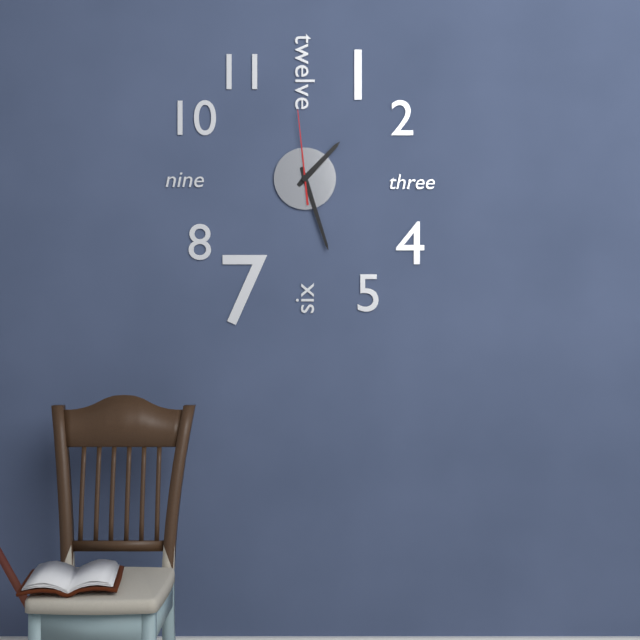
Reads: 1,27,59
